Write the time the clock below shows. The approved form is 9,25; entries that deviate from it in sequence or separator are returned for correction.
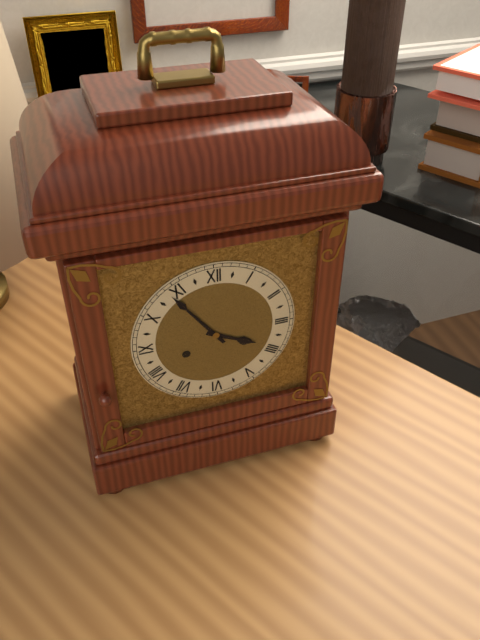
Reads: 3,54
